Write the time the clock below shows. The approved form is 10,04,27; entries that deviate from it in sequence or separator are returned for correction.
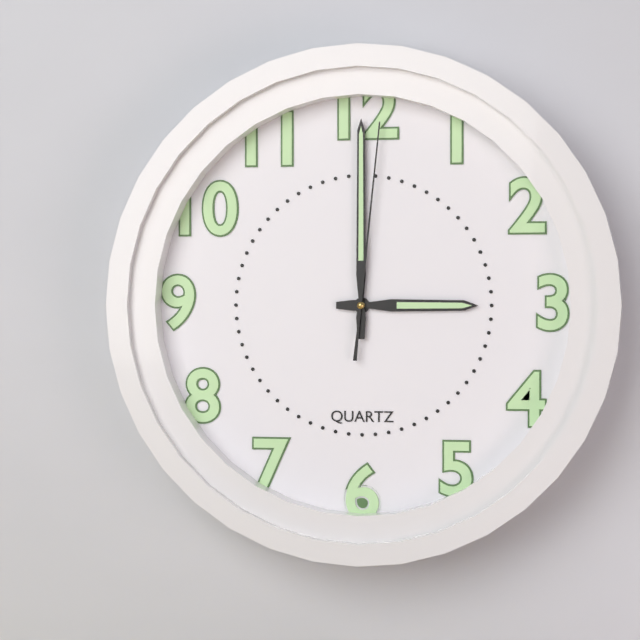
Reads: 3,00,01
